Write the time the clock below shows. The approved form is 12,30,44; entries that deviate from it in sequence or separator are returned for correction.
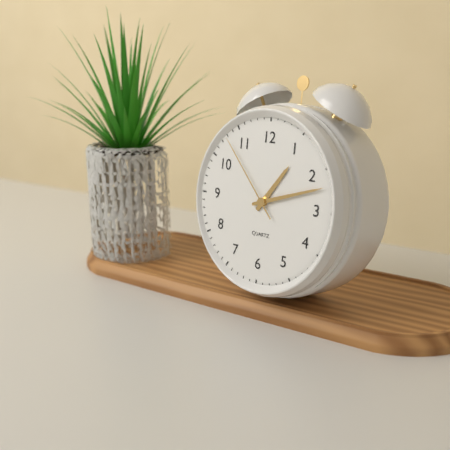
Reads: 1,12,53
